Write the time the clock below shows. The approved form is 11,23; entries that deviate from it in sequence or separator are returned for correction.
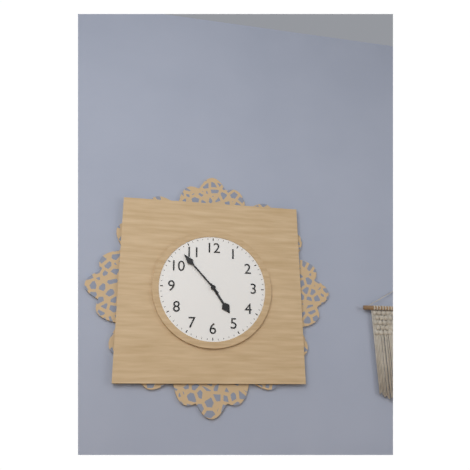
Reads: 4,53
